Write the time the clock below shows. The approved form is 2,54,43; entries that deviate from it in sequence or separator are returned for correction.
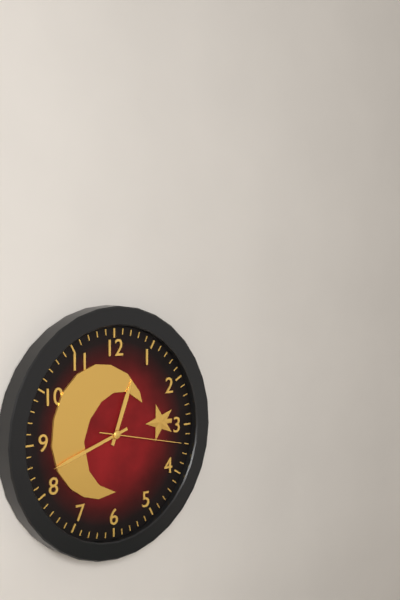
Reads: 12,42,17
